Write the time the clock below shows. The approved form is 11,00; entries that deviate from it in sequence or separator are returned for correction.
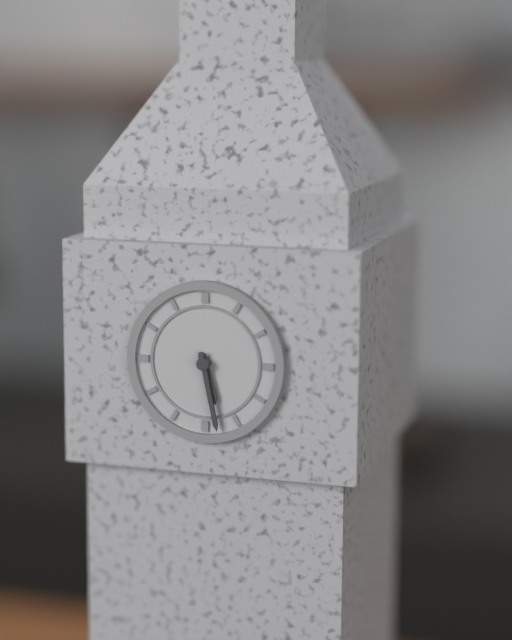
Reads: 5,28
